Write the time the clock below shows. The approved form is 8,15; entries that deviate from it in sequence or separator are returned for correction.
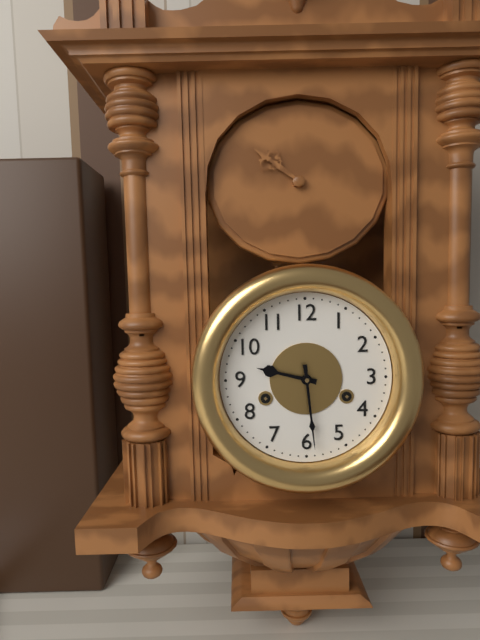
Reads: 9,29
